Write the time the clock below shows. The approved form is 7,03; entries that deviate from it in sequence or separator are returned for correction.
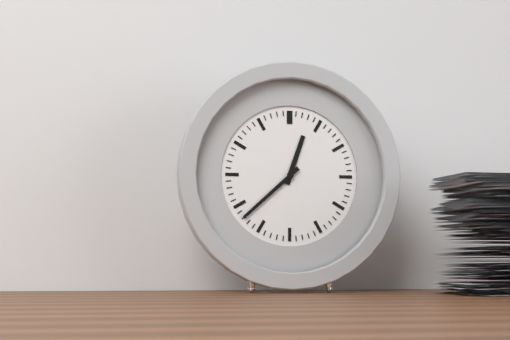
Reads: 12,38
